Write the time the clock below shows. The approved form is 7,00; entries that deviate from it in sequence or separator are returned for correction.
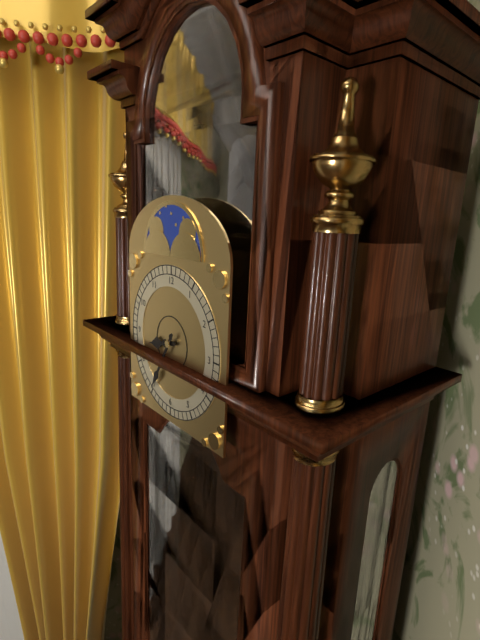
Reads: 8,35
